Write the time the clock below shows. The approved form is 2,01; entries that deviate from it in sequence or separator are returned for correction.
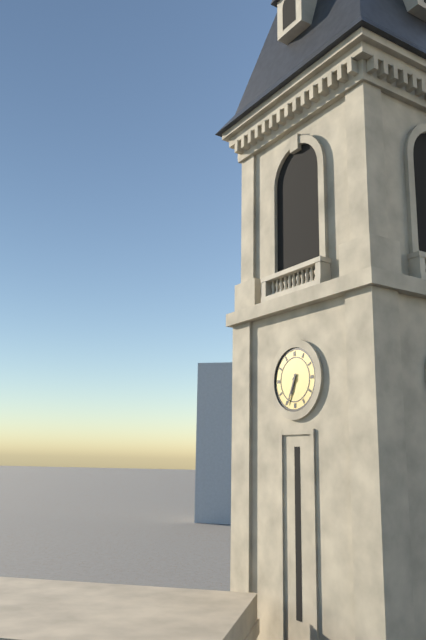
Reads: 6,34
